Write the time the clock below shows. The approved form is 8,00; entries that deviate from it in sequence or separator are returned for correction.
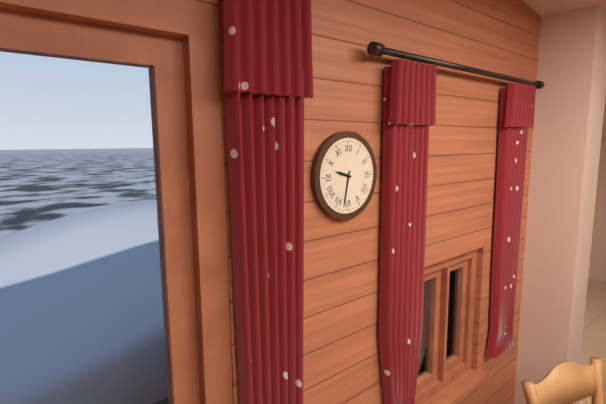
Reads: 9,32
